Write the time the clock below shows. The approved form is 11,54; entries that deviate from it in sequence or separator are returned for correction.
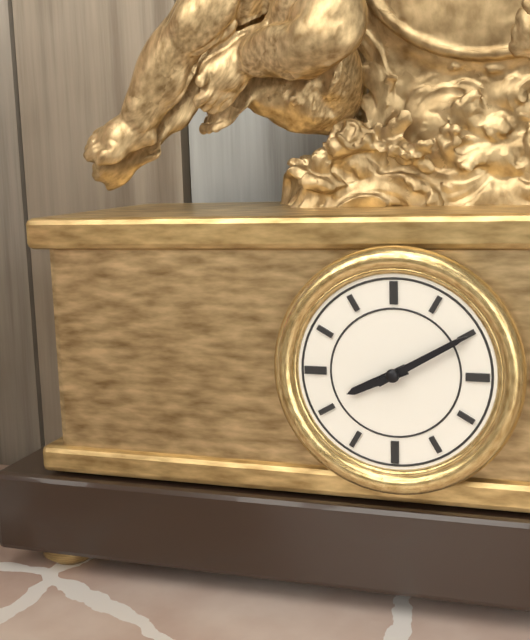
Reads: 8,10
